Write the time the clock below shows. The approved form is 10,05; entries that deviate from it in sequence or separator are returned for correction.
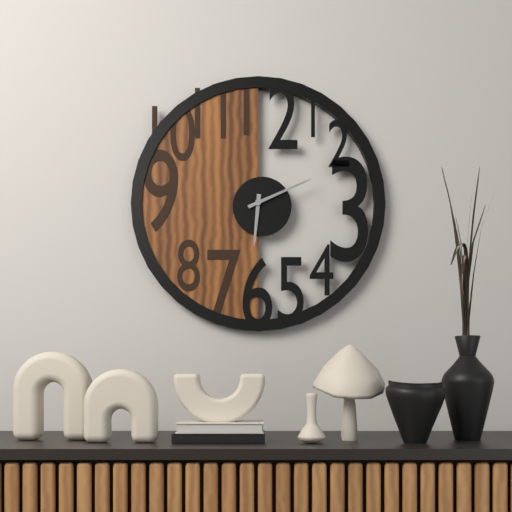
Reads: 6,11
